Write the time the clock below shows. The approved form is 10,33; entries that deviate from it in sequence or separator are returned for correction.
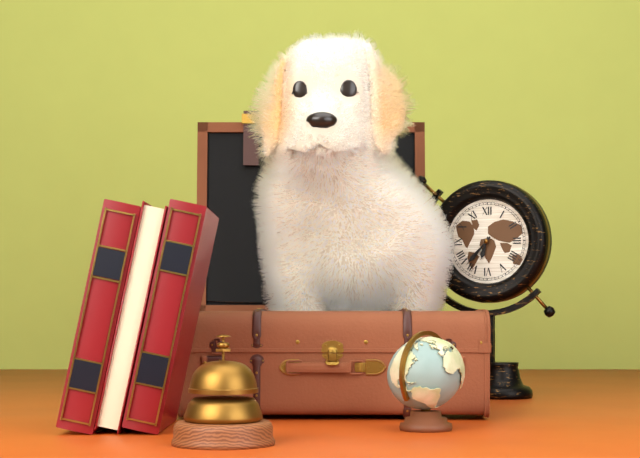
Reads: 6,37
